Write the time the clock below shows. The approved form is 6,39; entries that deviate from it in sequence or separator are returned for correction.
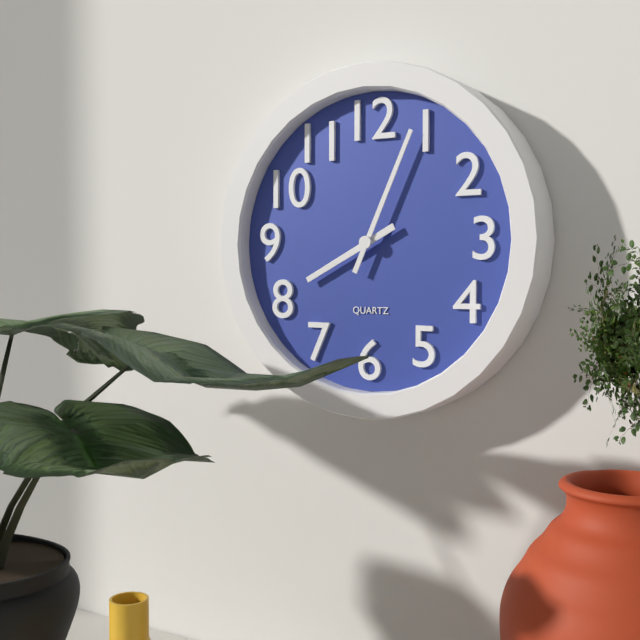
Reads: 8,04
